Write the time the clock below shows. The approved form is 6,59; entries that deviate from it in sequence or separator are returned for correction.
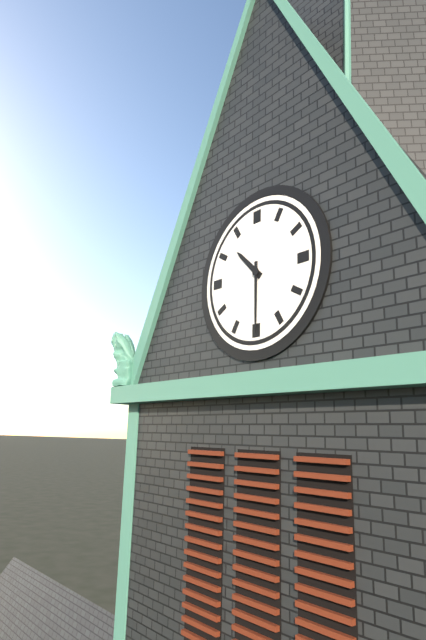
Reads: 10,30
